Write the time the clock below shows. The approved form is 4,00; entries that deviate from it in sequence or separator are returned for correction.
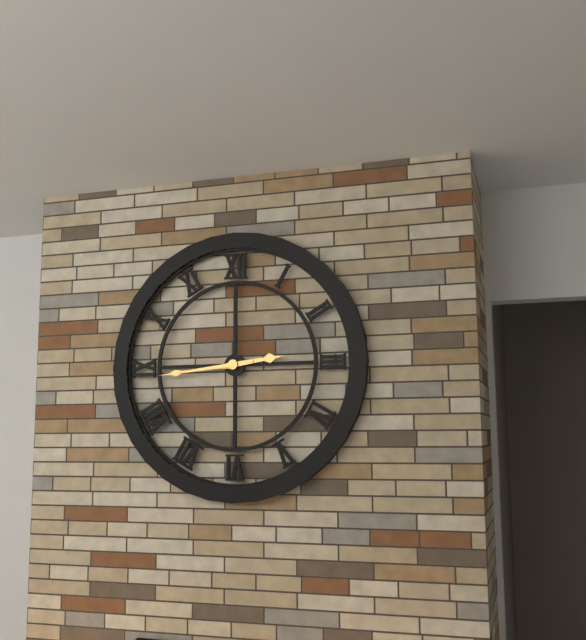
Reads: 2,44
